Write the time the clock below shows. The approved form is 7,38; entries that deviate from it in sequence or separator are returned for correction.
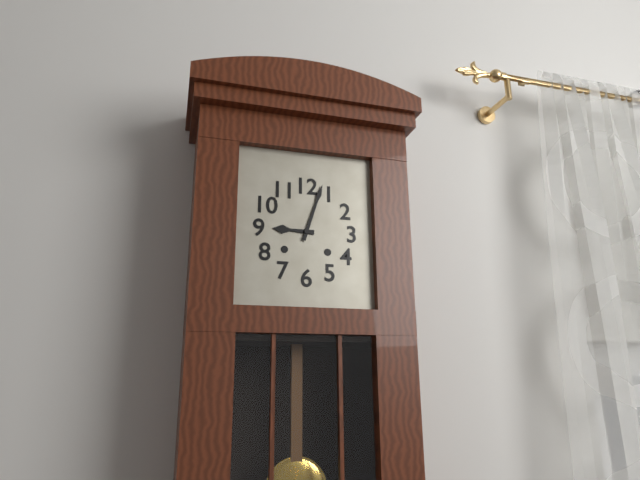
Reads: 9,03
